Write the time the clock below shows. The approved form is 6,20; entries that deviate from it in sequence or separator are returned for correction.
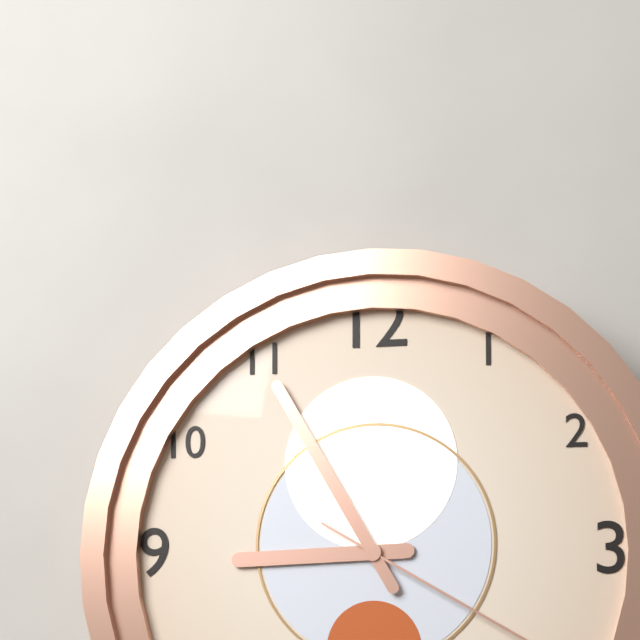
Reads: 8,55
